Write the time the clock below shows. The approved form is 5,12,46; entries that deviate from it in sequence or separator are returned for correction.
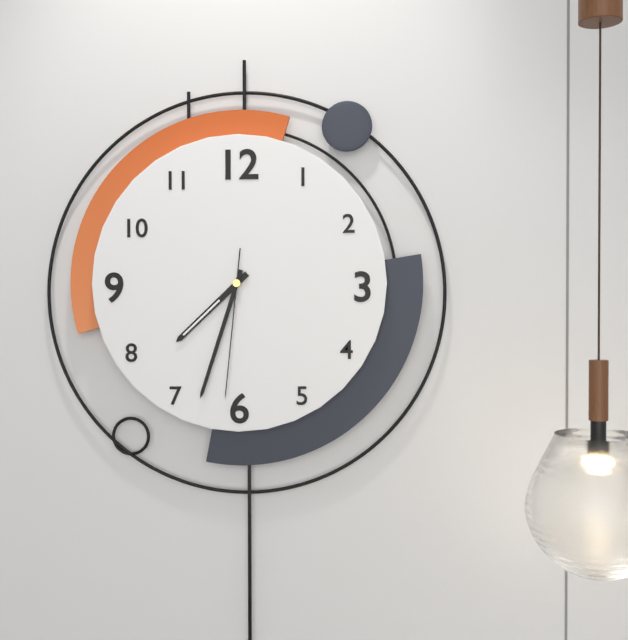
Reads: 7,33,31
